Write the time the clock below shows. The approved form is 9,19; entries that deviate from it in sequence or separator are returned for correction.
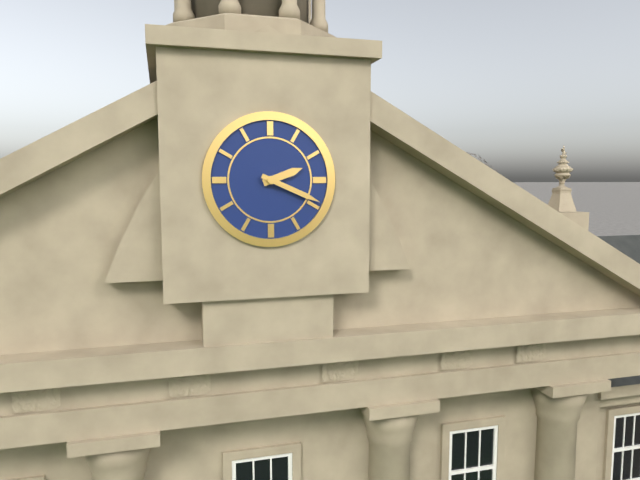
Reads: 2,19
